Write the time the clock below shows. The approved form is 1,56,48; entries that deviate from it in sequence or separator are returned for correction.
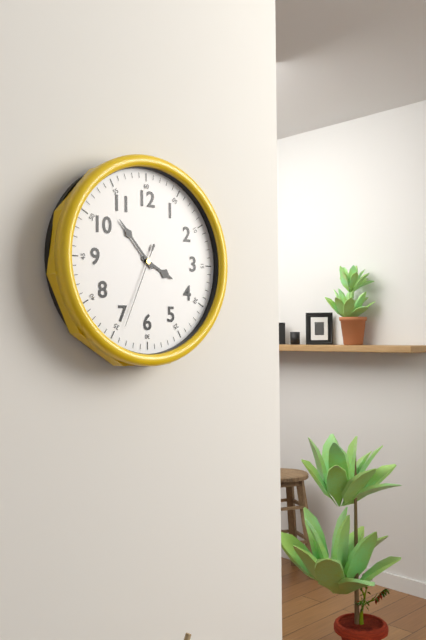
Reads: 3,53,34
